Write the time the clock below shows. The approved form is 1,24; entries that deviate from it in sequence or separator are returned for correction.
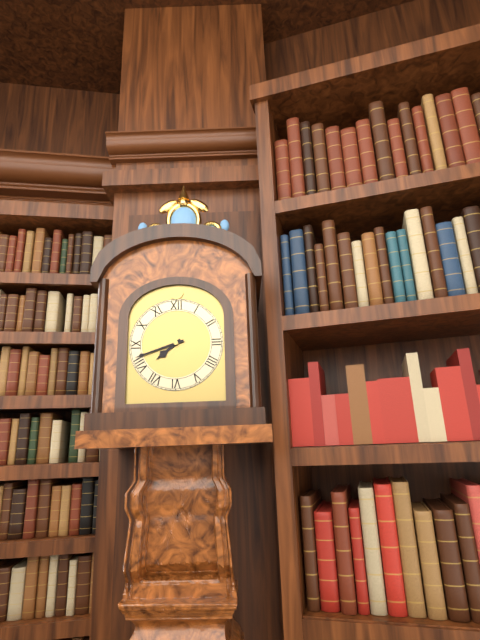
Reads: 7,42
